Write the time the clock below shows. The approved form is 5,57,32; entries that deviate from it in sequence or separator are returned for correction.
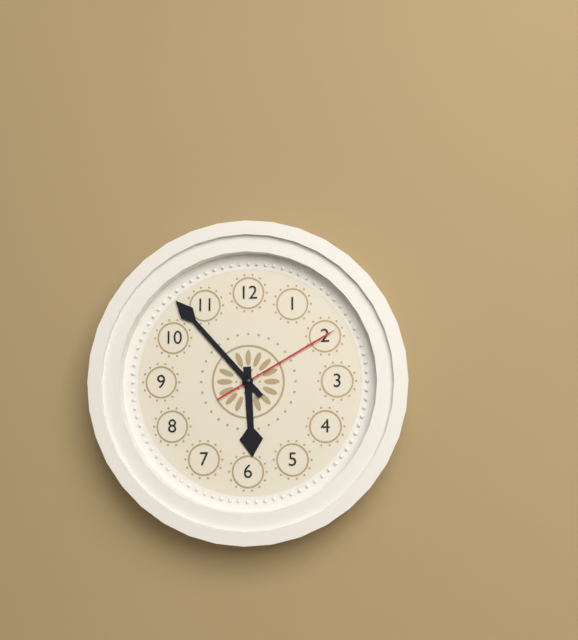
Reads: 5,53,10
